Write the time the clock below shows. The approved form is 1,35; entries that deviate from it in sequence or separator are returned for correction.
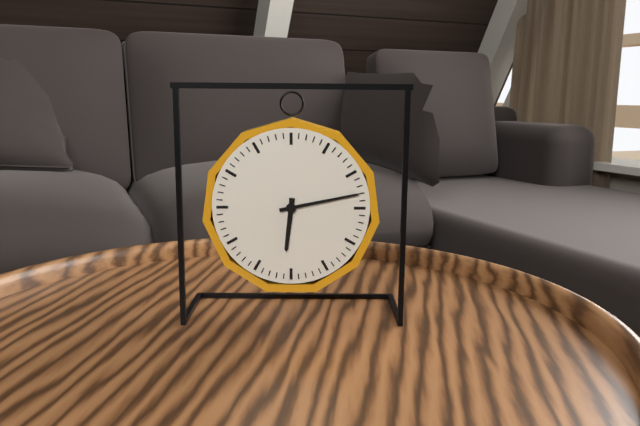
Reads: 6,13
